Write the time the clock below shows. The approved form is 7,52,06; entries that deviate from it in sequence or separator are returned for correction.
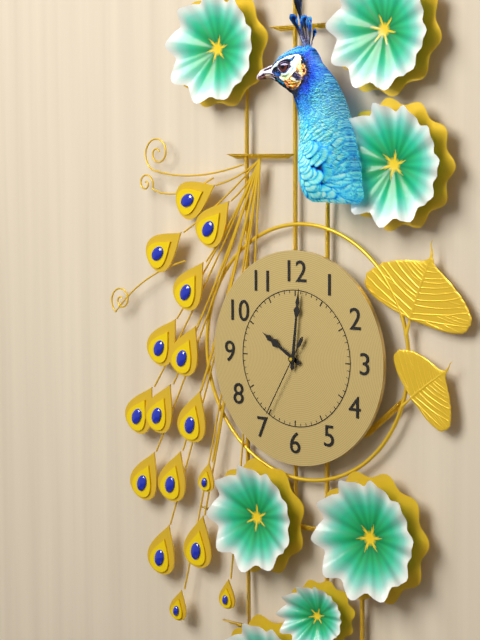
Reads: 10,01,35
